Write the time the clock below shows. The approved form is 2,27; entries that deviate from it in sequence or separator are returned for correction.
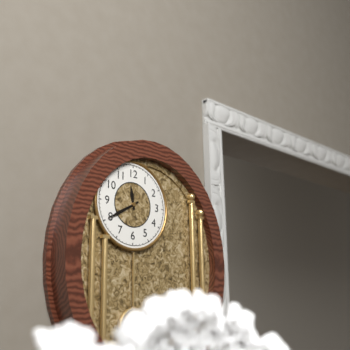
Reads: 11,40
